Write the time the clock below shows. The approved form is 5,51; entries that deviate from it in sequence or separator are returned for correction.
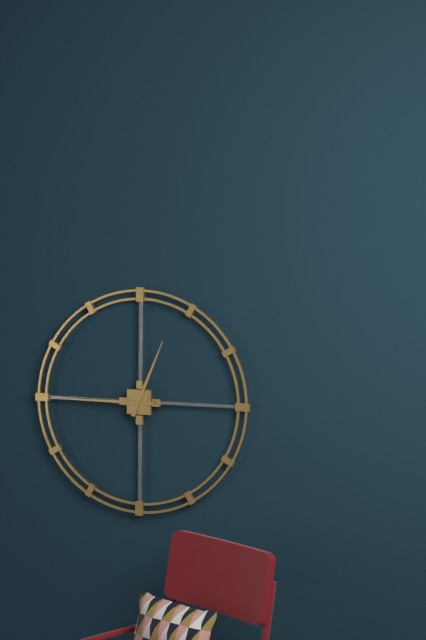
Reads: 12,45
